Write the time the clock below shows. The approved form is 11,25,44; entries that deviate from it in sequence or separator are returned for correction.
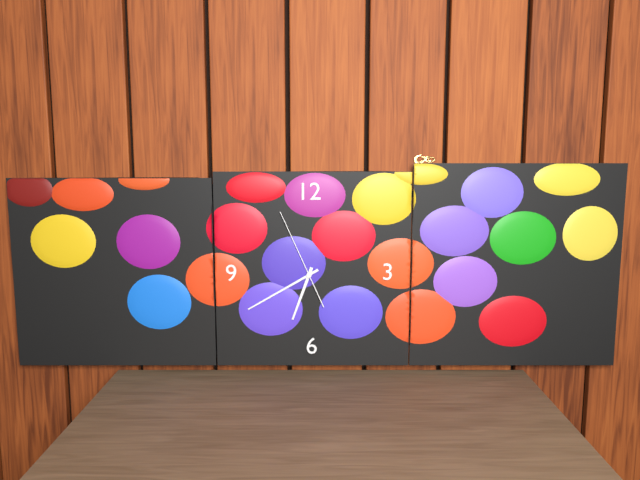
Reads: 6,40,56
